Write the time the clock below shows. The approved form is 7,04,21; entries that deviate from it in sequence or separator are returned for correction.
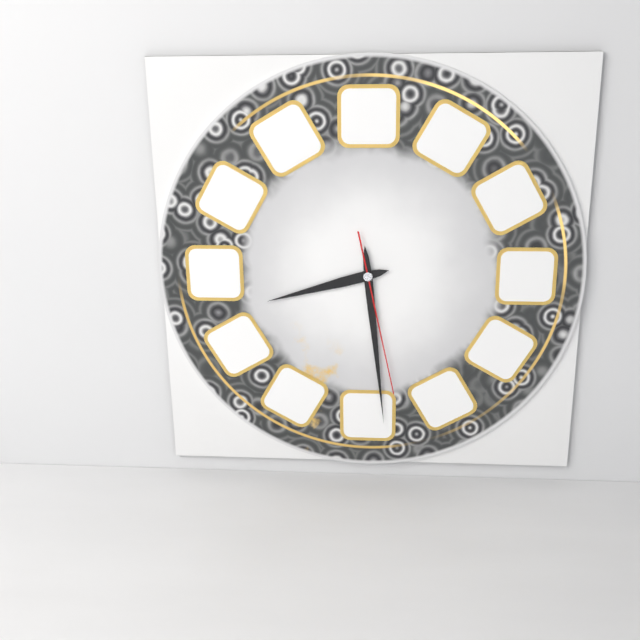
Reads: 8,29,28
